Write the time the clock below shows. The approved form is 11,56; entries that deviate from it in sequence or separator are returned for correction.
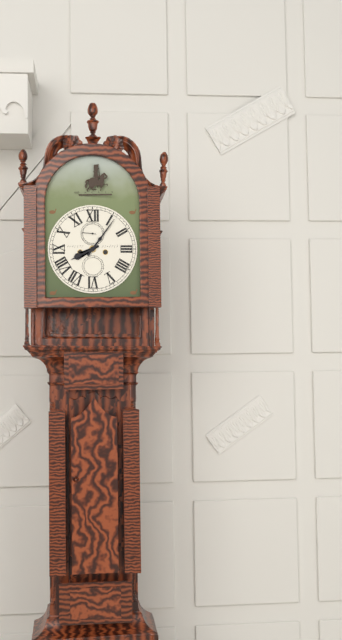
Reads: 8,06
